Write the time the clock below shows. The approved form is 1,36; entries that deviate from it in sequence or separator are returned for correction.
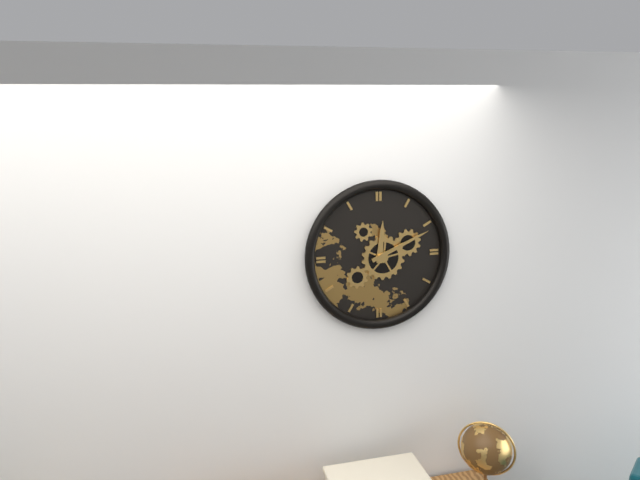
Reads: 12,11
